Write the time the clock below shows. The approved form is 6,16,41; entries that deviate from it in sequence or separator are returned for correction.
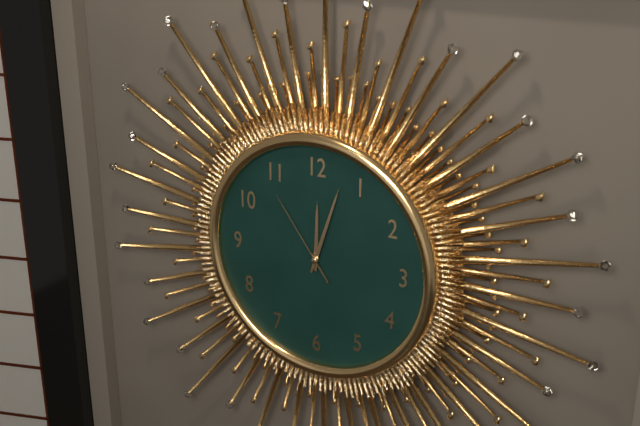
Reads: 12,03,54
